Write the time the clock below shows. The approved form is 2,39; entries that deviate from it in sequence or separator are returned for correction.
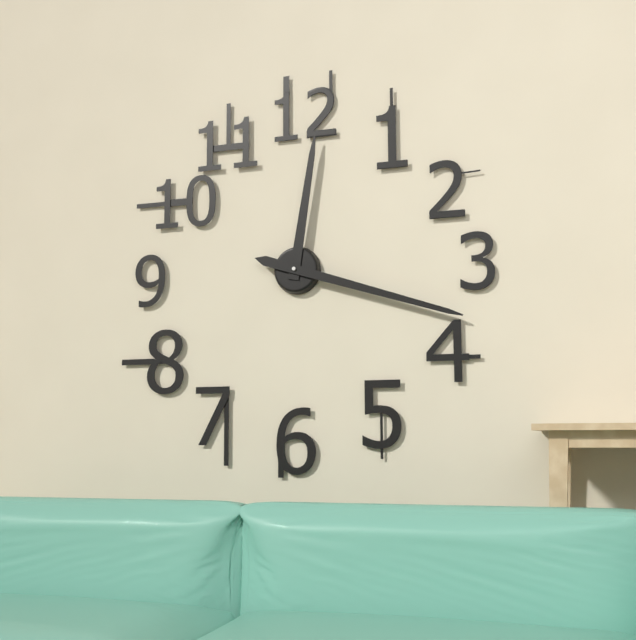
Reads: 12,18
